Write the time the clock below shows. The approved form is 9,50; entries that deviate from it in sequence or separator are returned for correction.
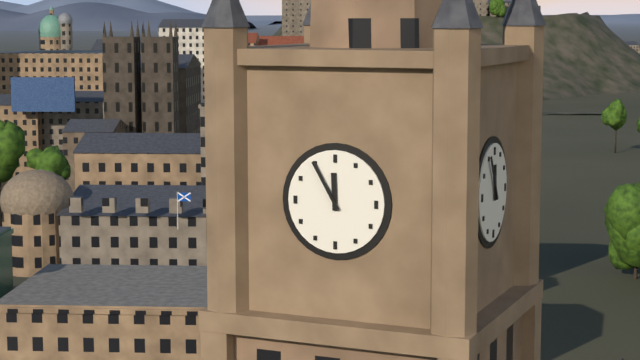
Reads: 11,55
